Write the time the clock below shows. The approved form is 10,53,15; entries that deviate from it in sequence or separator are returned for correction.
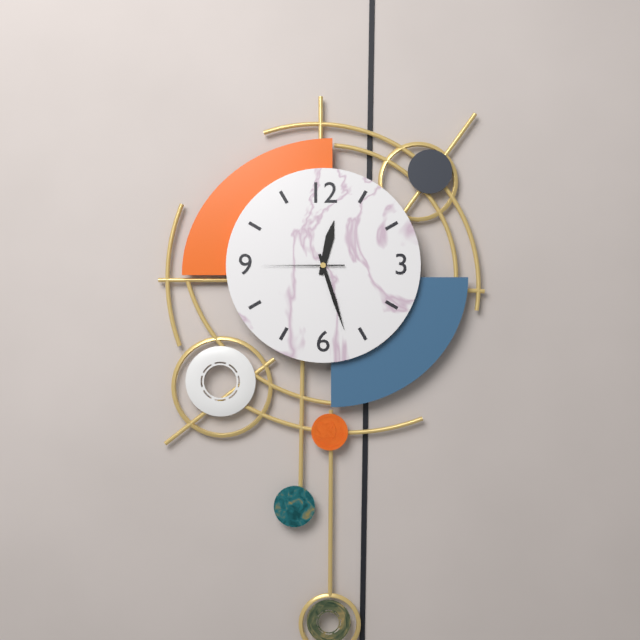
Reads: 12,27,45
